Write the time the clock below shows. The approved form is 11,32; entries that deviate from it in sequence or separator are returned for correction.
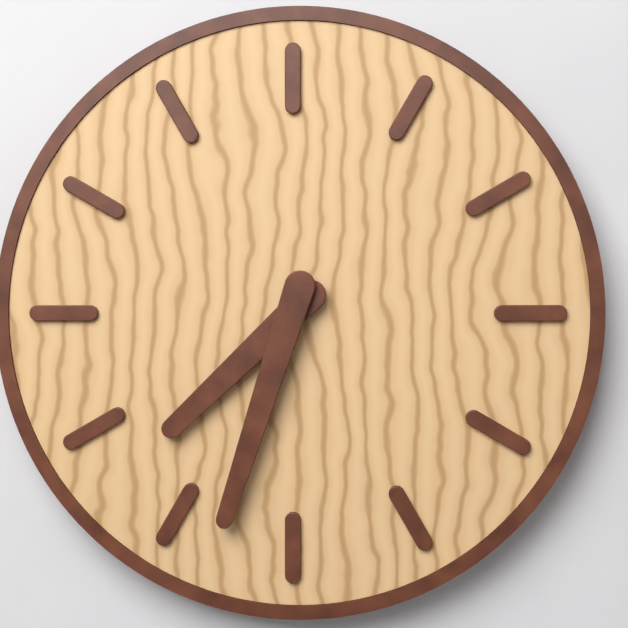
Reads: 7,33
